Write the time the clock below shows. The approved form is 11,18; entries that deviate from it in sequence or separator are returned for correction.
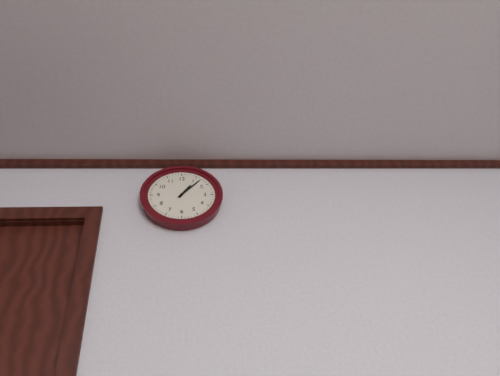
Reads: 1,07
